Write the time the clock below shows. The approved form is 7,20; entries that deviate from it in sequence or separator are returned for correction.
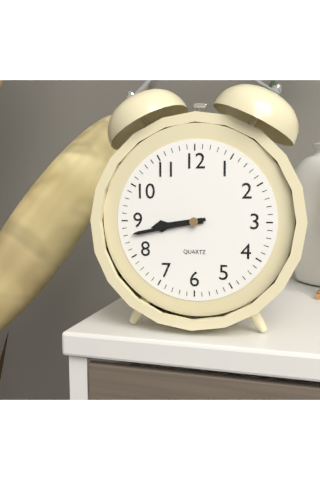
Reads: 8,43
